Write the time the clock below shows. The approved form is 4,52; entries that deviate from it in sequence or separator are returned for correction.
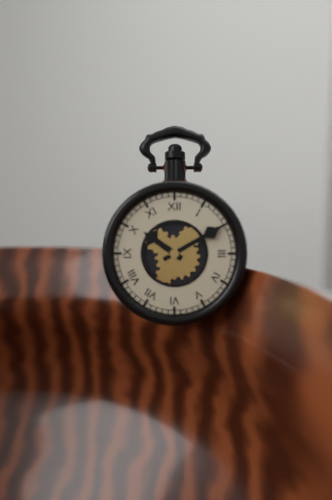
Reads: 10,10
